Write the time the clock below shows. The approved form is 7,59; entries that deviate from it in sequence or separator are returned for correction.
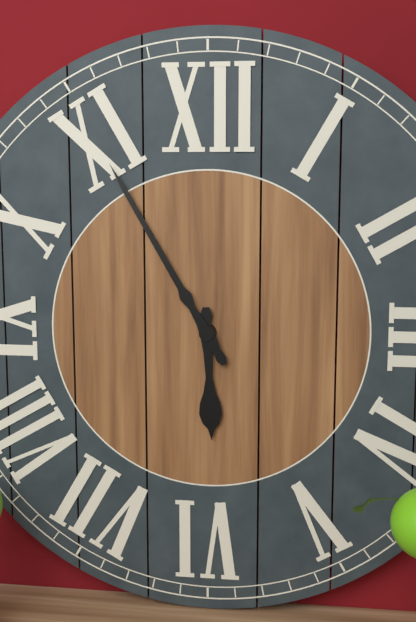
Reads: 5,55
